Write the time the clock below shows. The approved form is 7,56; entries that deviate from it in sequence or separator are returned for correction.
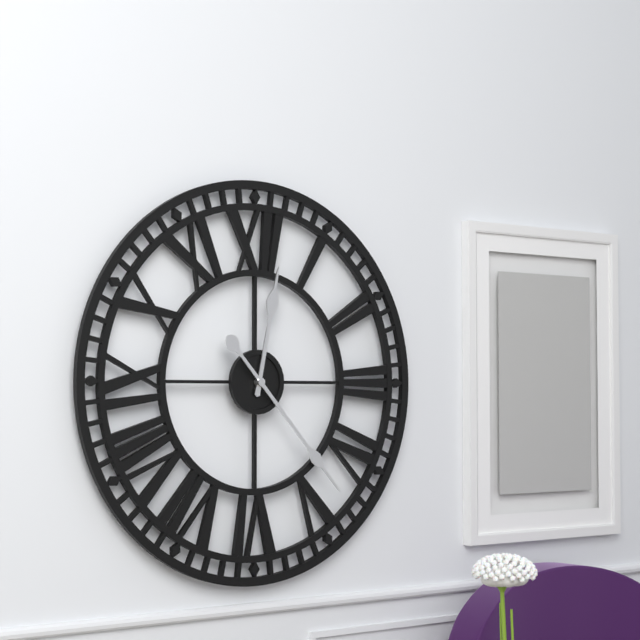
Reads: 12,23
